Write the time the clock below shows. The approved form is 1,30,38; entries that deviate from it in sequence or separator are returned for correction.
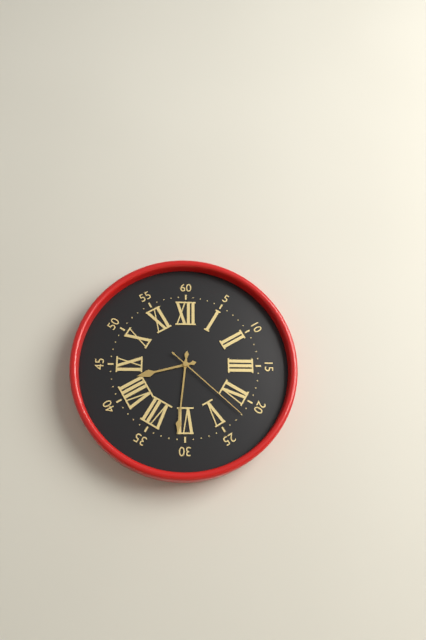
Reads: 8,31,22
